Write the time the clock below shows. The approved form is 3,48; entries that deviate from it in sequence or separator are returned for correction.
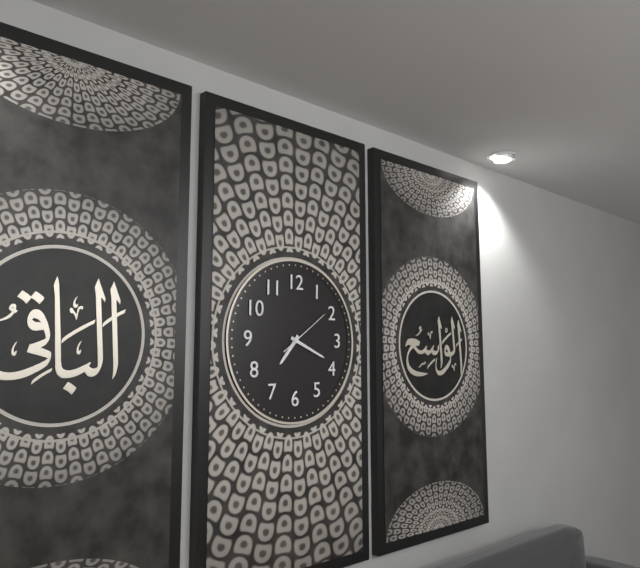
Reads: 7,19
